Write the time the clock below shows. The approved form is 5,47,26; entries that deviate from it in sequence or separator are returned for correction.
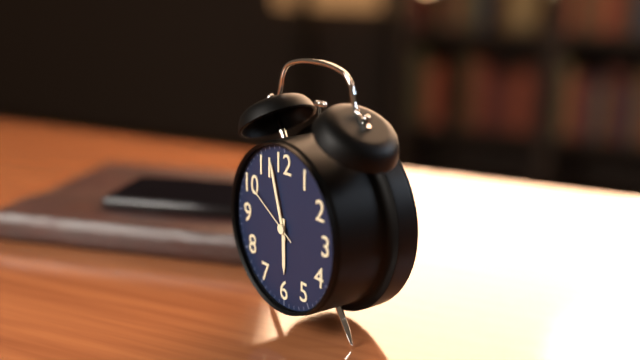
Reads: 5,57,50
